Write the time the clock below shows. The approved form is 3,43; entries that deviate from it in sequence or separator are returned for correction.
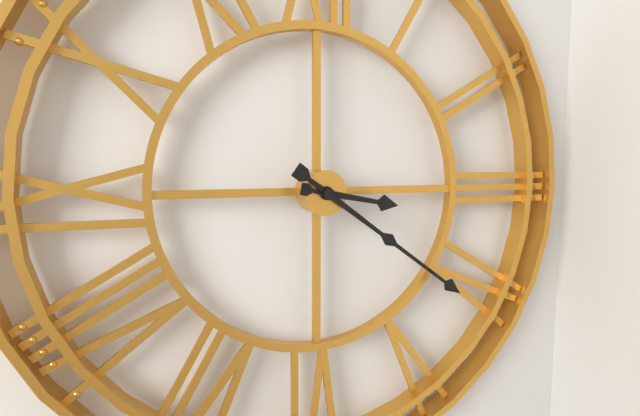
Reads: 3,21
